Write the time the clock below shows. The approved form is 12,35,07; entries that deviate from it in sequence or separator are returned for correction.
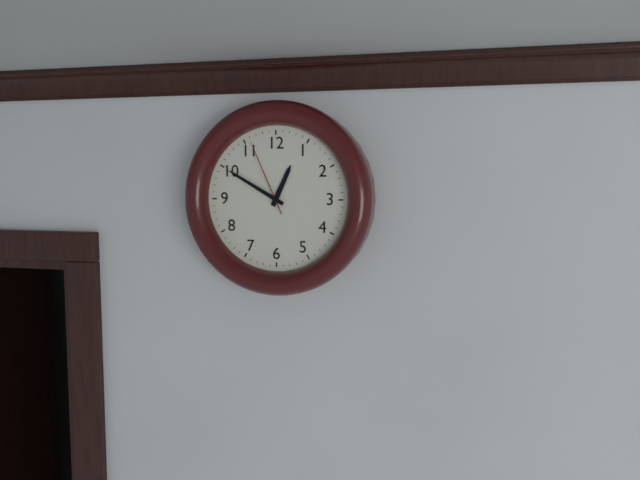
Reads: 12,50,56
